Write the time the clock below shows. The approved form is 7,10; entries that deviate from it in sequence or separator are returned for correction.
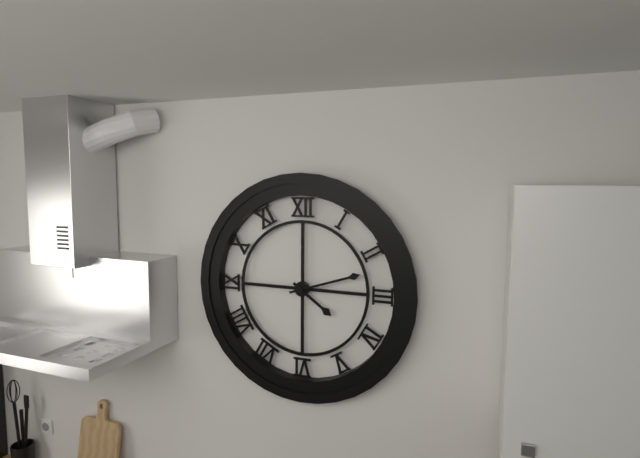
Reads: 4,12
